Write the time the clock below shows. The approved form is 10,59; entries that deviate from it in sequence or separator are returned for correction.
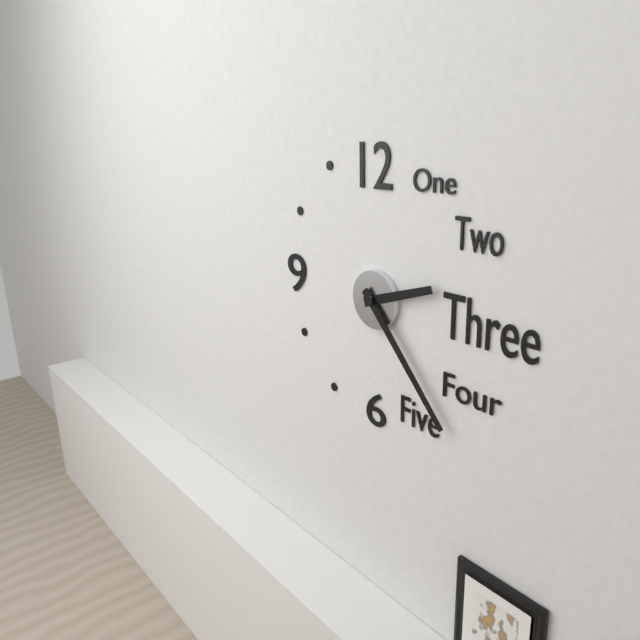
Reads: 2,23
